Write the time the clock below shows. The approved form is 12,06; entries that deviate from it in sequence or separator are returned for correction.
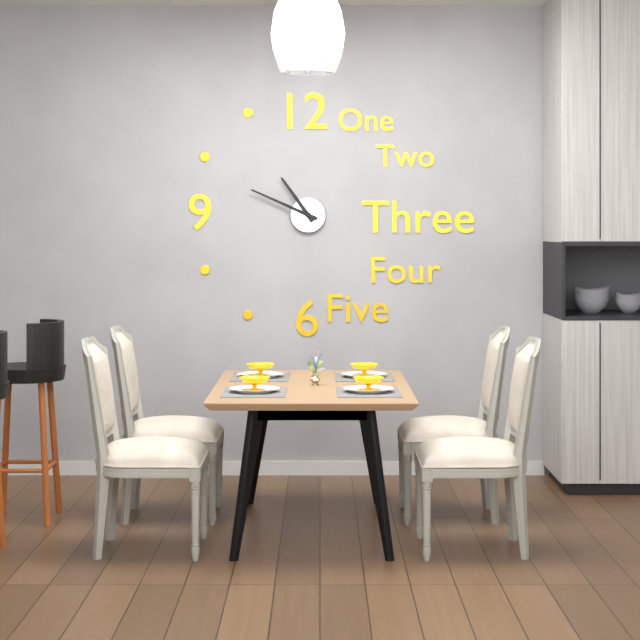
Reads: 10,49
